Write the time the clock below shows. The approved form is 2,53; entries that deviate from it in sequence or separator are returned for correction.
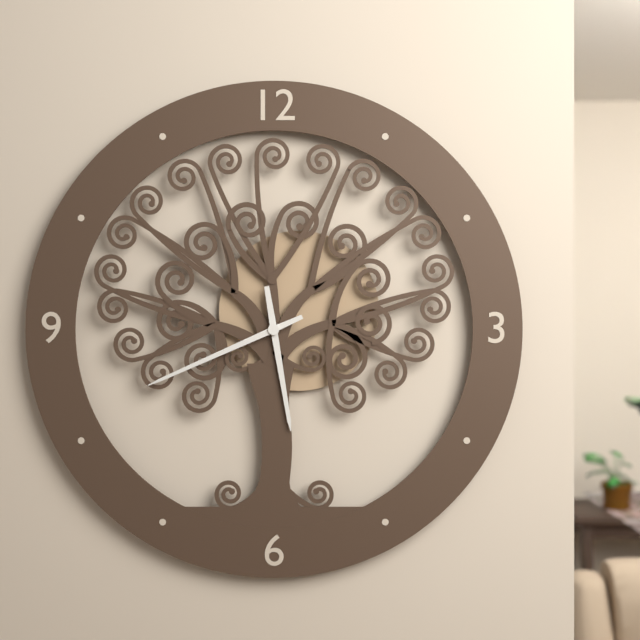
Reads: 5,41
